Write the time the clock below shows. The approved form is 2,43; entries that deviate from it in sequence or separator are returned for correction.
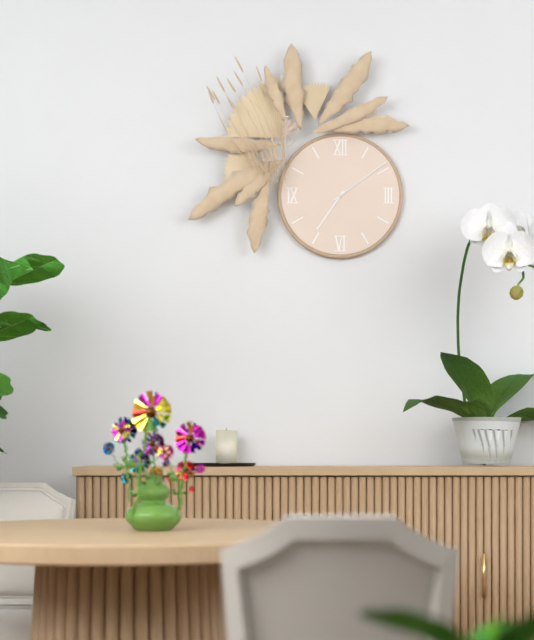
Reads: 7,09
